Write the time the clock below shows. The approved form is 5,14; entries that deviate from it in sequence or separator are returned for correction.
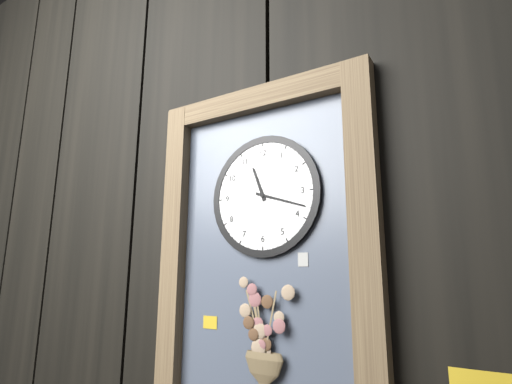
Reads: 11,18
